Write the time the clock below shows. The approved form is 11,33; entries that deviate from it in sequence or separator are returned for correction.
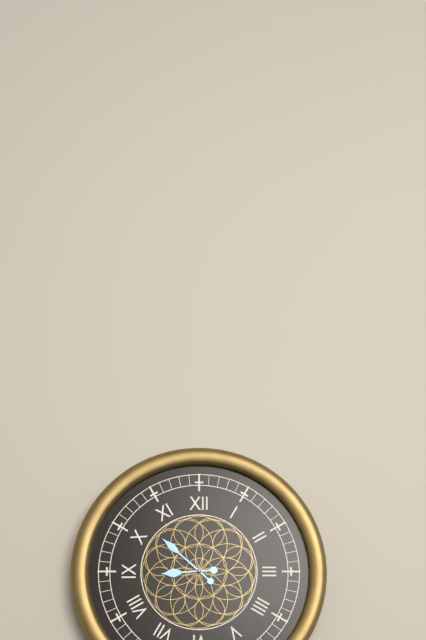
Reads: 8,52
